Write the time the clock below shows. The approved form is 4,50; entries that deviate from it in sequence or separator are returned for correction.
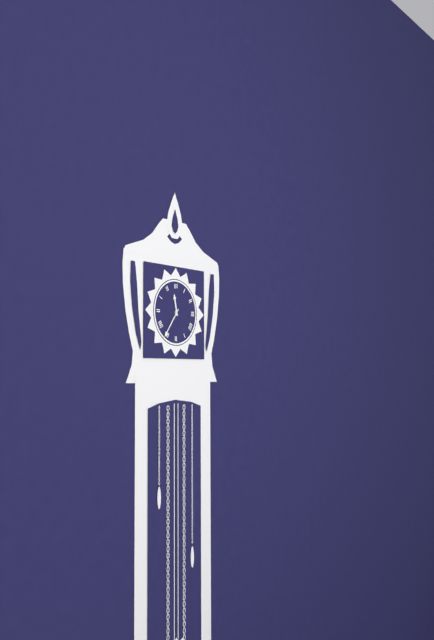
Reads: 11,36
